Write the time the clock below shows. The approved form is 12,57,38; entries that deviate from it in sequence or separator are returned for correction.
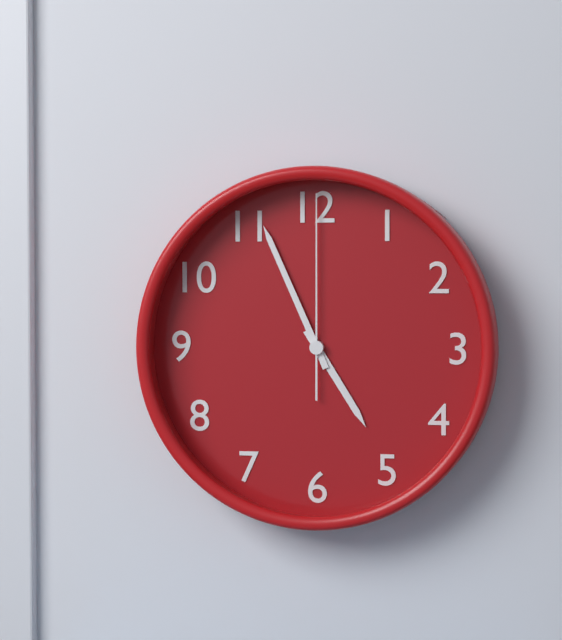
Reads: 4,56,00
